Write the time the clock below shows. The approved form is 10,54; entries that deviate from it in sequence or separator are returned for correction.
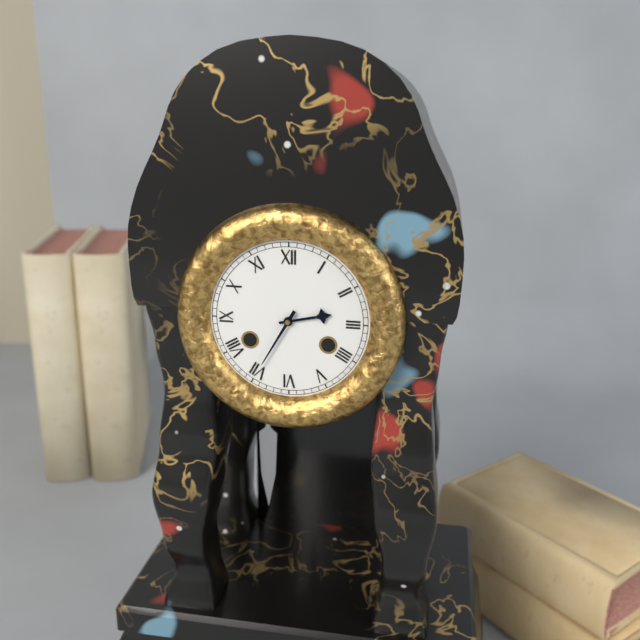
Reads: 2,35
